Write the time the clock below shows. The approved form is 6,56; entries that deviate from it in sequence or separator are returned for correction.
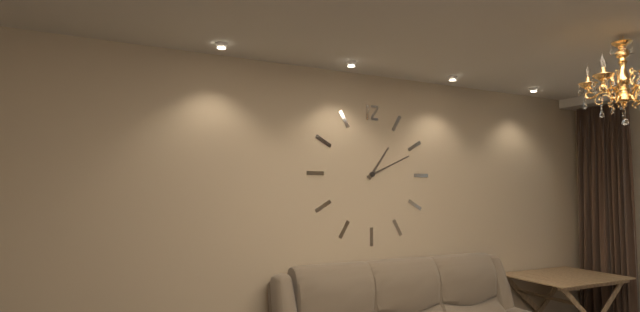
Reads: 1,11
